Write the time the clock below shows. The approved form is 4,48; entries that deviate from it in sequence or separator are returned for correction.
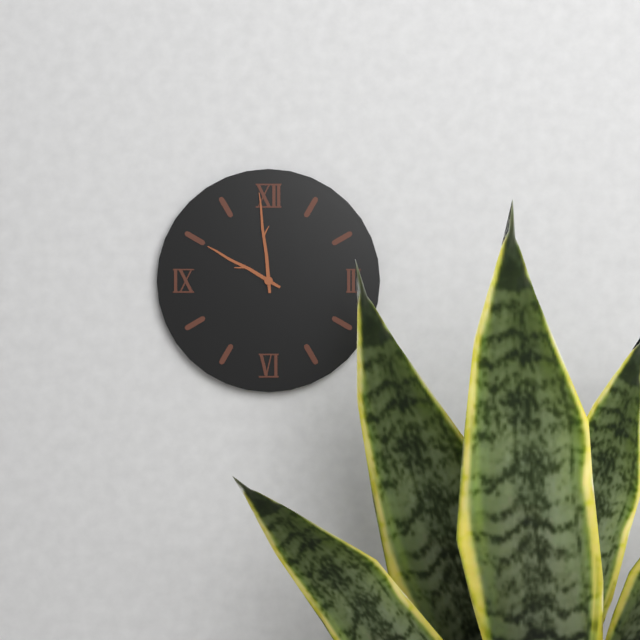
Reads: 9,59
